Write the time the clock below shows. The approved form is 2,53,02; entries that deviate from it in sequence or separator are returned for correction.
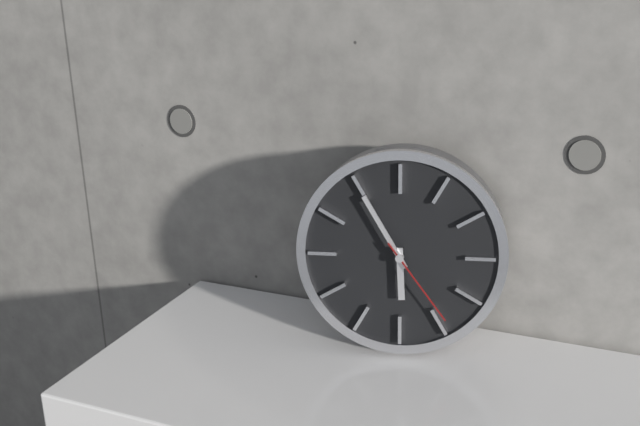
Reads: 5,55,24
